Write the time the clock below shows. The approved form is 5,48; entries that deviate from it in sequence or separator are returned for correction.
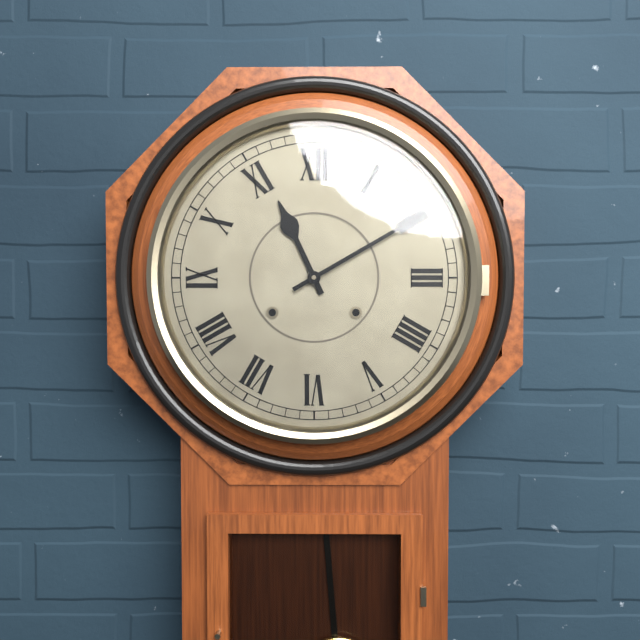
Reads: 11,10
